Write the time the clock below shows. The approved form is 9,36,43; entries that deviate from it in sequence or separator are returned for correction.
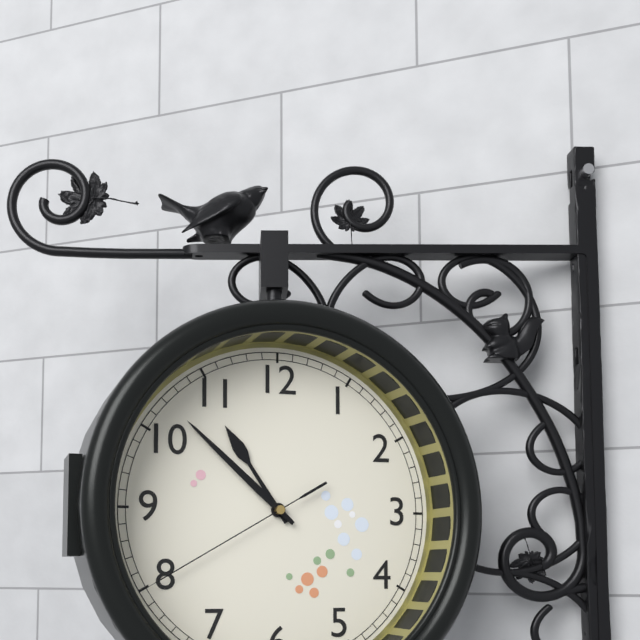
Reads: 10,52,40
